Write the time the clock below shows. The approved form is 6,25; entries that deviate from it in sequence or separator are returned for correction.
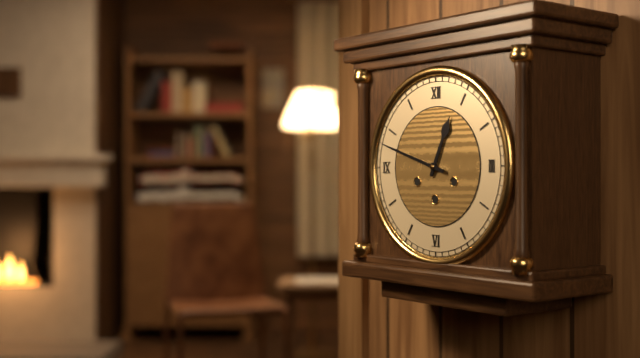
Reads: 12,48
